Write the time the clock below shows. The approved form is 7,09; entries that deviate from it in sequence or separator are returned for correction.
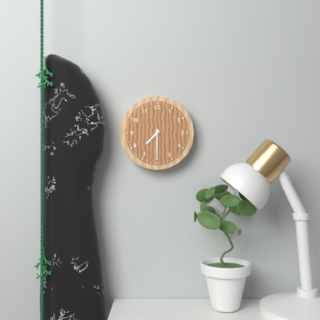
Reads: 7,30
